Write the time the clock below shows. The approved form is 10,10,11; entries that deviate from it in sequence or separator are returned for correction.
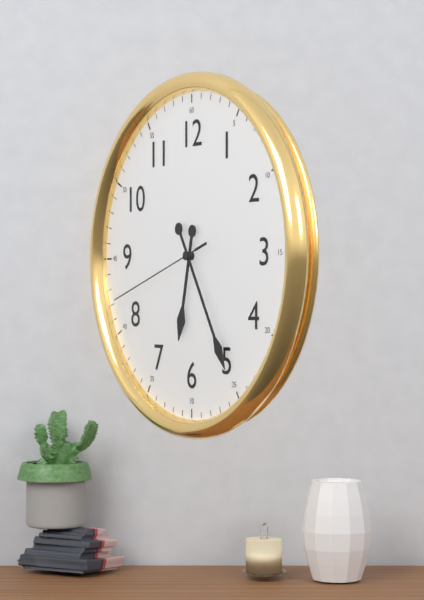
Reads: 6,25,42
